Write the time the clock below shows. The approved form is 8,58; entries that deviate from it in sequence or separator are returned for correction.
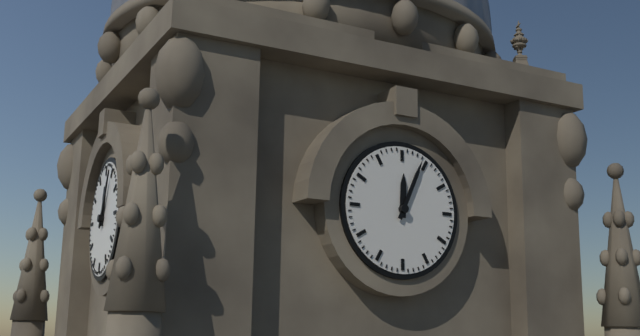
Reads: 12,04
